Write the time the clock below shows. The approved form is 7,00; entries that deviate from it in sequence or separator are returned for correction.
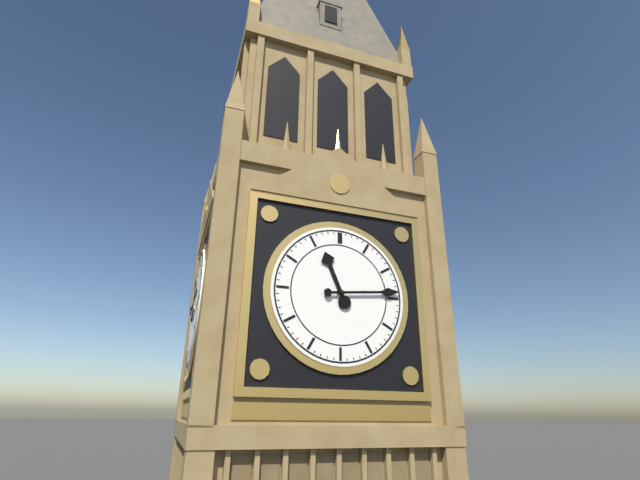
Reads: 11,14
